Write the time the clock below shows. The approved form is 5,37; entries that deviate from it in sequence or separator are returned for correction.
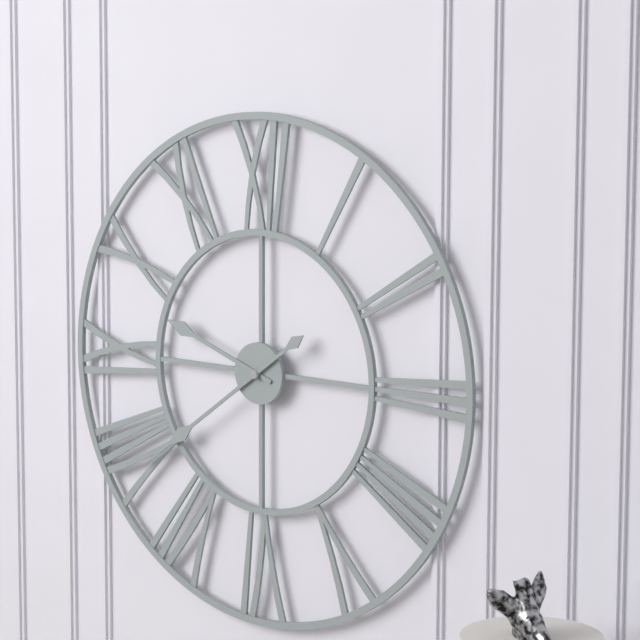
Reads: 9,39
